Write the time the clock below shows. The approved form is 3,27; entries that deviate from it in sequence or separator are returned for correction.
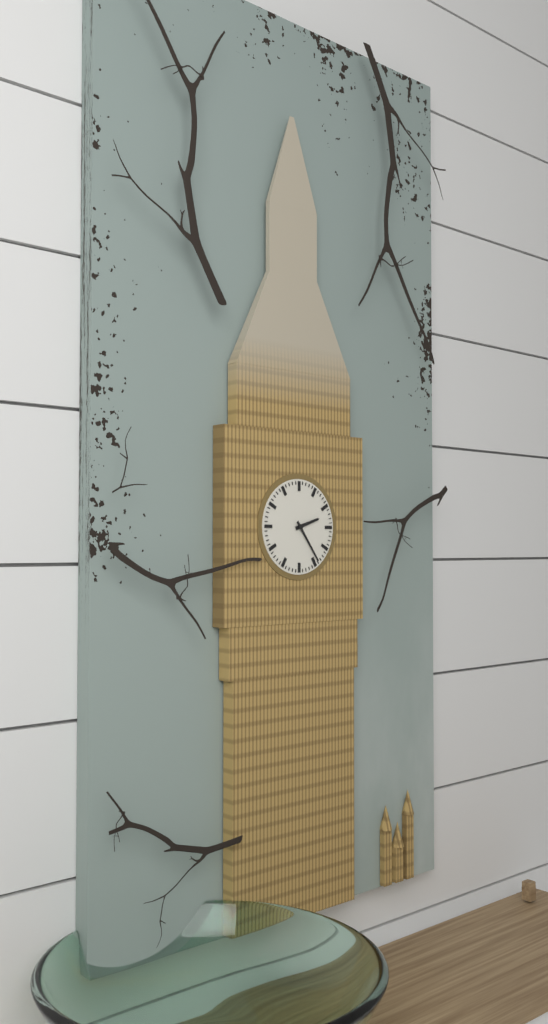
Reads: 2,24
